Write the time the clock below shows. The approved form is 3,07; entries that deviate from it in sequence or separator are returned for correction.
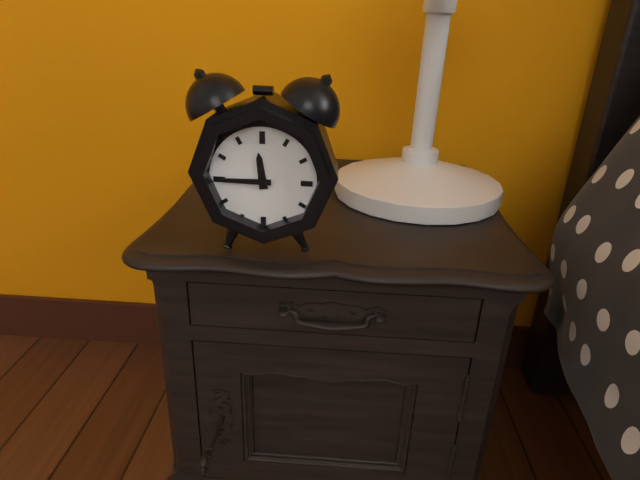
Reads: 11,45
